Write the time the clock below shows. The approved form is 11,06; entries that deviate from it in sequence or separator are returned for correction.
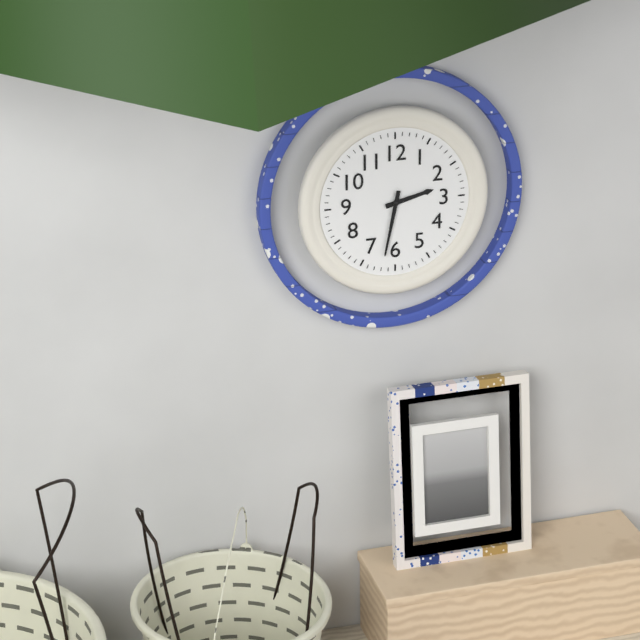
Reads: 2,32
